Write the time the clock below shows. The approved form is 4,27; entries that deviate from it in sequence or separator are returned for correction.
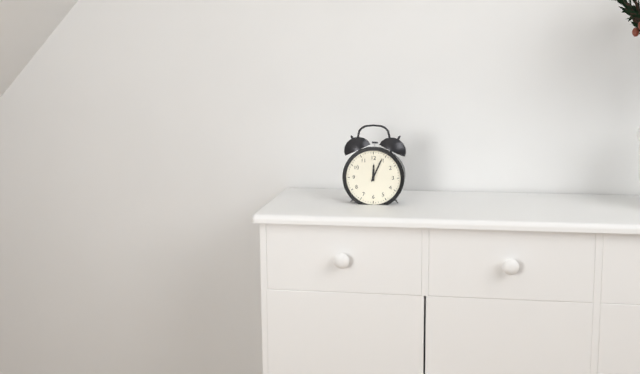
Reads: 12,04
